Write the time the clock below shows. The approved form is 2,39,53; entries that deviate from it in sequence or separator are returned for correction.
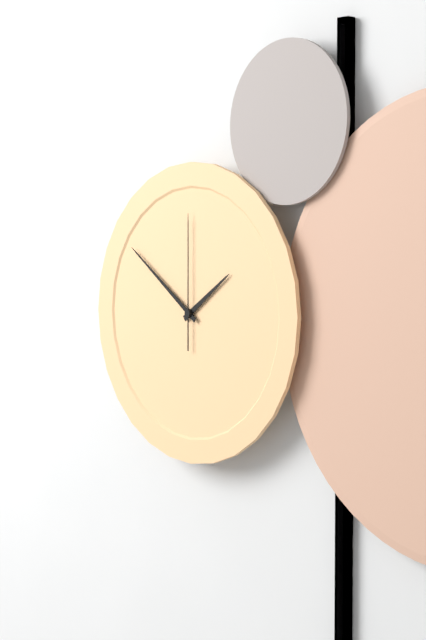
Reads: 1,51,00
